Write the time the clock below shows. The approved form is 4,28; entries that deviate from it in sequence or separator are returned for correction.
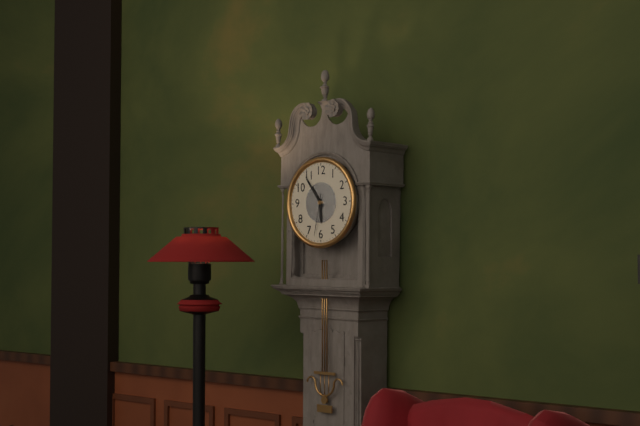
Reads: 5,54
